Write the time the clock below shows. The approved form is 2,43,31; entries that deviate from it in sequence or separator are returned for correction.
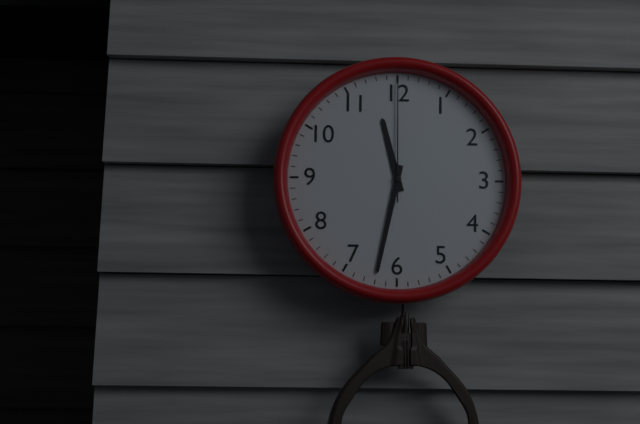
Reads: 11,32,00
